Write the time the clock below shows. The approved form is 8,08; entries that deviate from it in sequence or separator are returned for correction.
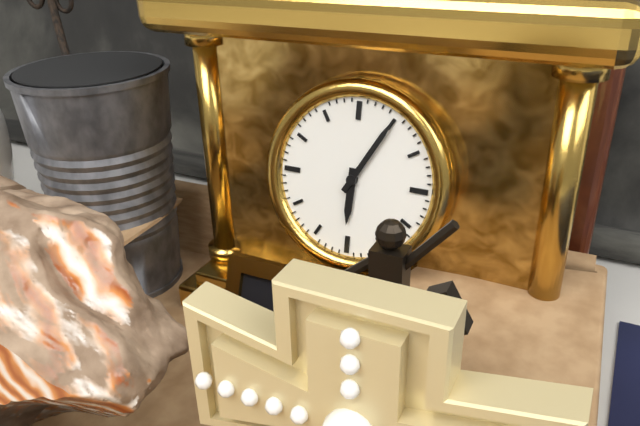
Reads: 6,05
